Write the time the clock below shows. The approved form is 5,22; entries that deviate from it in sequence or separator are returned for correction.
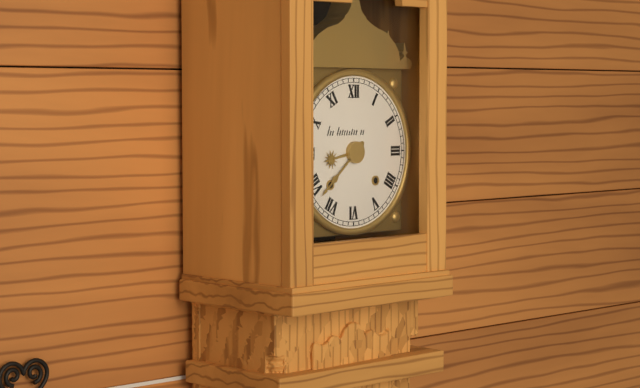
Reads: 8,38
